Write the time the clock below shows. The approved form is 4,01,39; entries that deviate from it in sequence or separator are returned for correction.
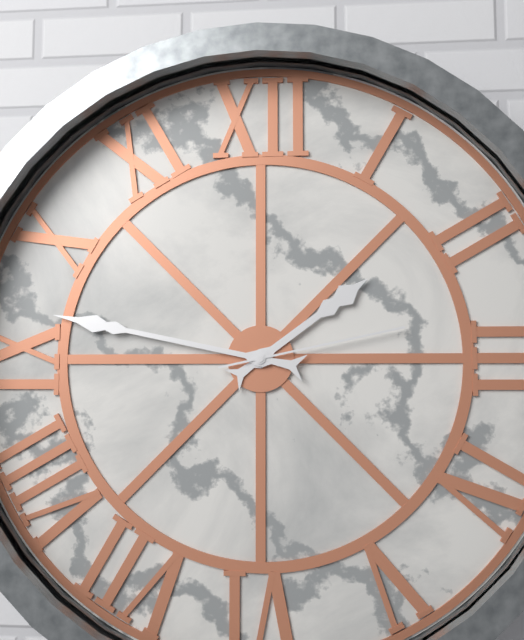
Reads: 1,47,13
